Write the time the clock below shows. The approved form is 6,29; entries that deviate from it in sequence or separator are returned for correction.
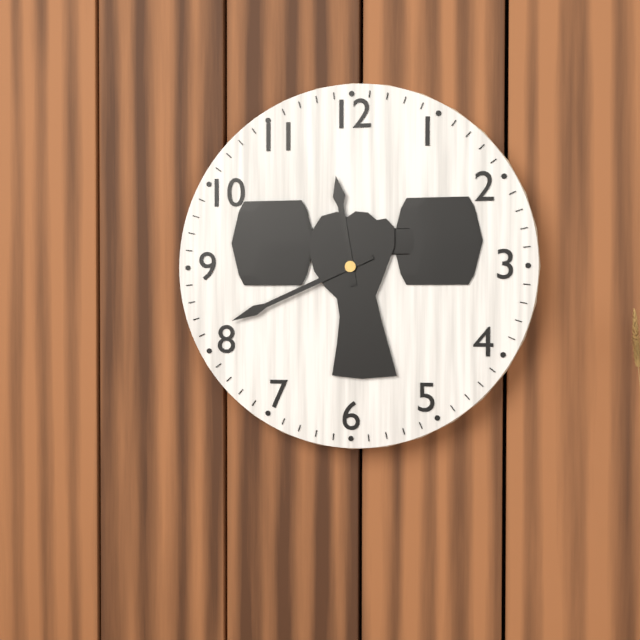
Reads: 11,41
